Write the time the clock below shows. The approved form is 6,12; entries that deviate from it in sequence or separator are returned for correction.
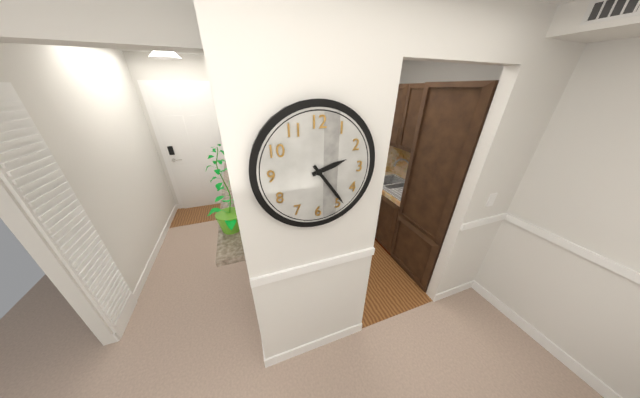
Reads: 2,24
